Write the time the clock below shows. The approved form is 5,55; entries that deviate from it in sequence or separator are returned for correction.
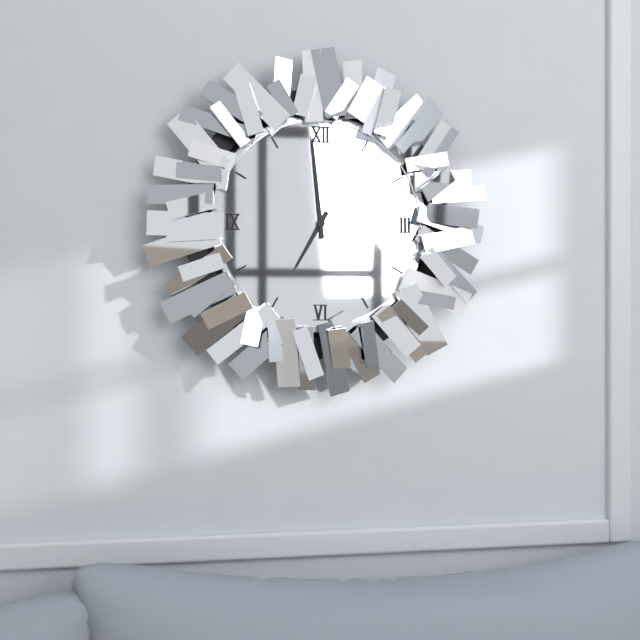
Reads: 6,59
